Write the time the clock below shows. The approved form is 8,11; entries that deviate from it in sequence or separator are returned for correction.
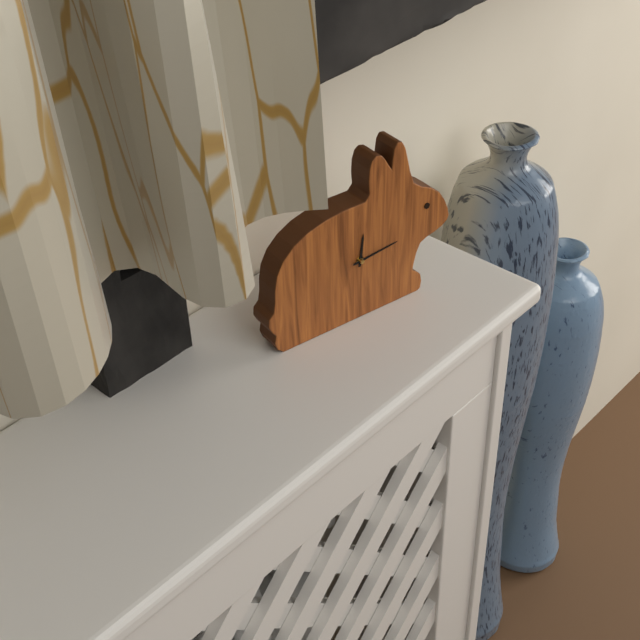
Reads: 12,14
